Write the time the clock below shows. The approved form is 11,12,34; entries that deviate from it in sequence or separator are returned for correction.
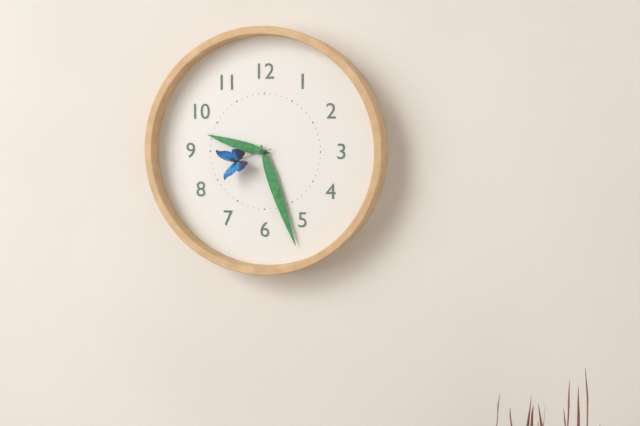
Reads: 9,27,42
